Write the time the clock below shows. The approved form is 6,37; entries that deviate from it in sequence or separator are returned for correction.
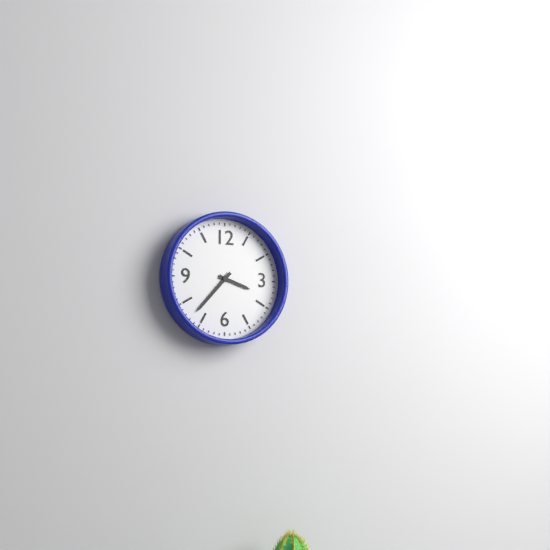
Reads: 3,37
